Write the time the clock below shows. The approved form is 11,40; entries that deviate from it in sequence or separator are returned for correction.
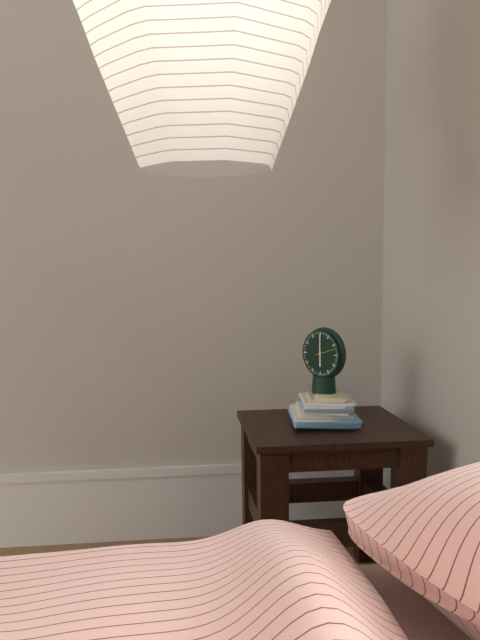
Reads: 6,00
